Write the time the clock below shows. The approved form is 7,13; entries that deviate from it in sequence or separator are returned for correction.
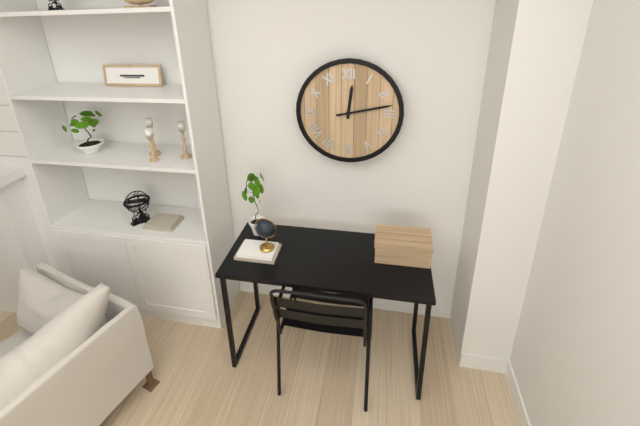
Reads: 12,13
